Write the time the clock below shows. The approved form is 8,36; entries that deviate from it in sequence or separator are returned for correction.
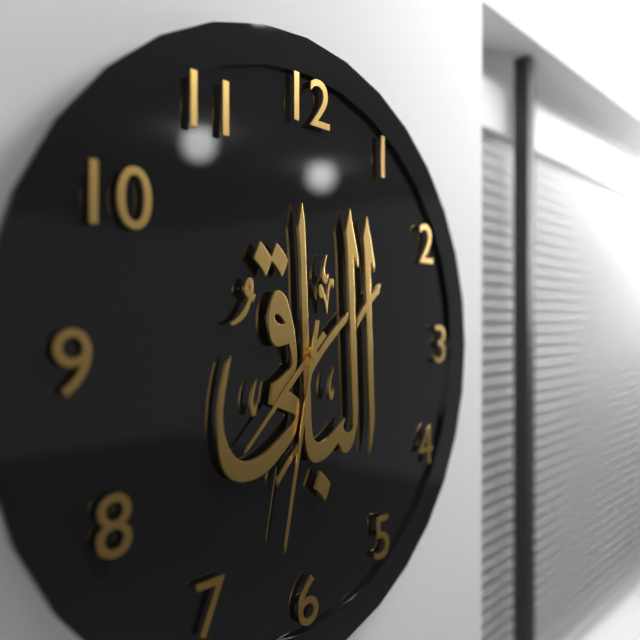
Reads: 7,32
